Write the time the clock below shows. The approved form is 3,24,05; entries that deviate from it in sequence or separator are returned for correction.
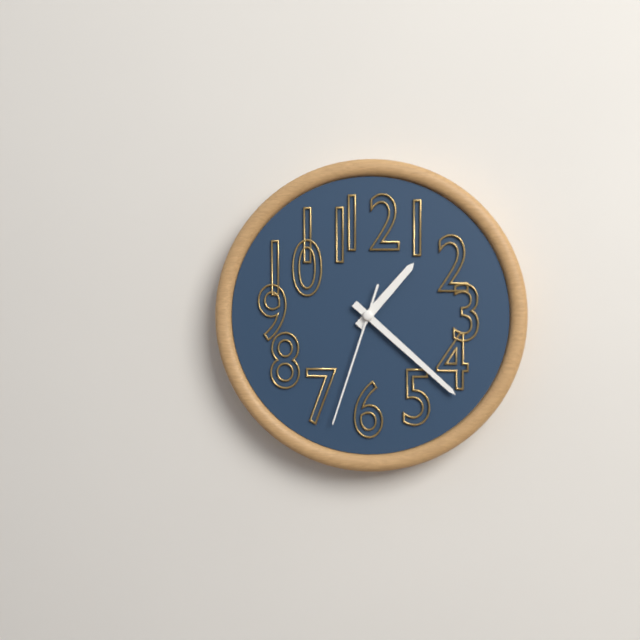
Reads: 1,22,33
